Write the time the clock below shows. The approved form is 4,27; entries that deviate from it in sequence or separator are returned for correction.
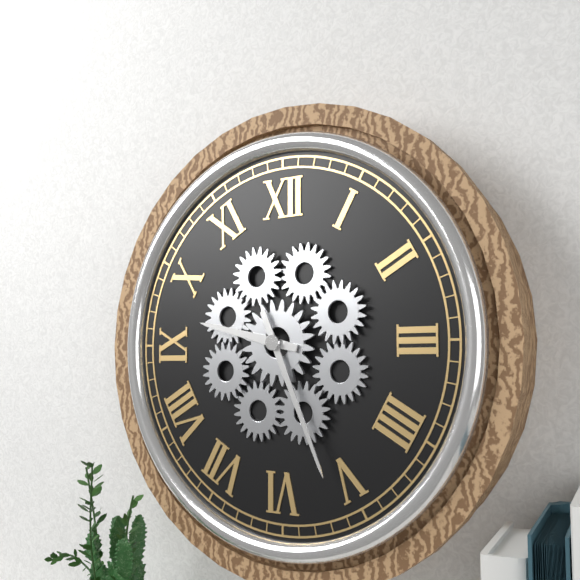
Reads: 9,26
